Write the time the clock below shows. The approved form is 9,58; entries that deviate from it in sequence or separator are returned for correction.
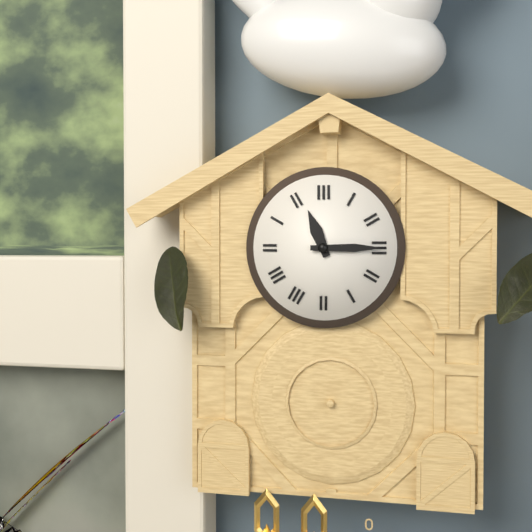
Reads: 11,15
